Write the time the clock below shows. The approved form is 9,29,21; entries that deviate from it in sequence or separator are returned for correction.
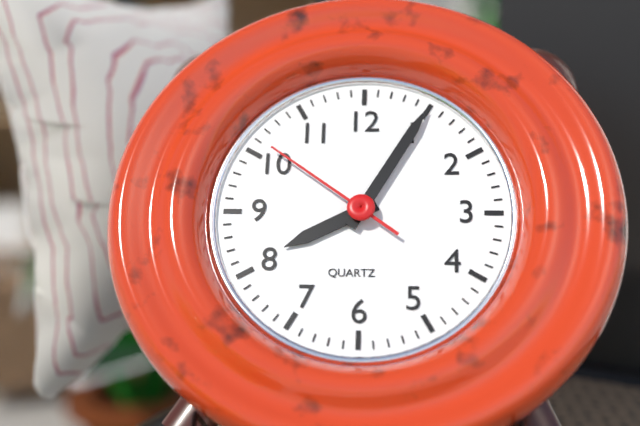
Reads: 8,05,51
